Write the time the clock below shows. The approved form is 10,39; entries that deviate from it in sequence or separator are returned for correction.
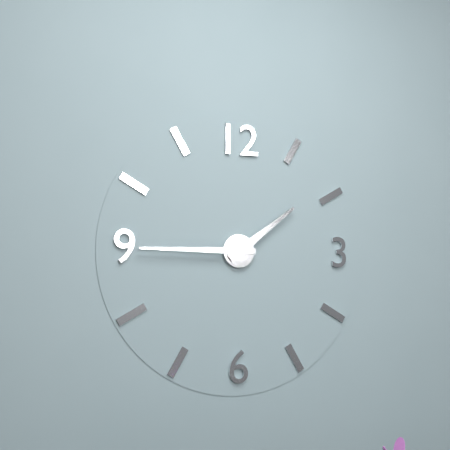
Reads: 1,45
